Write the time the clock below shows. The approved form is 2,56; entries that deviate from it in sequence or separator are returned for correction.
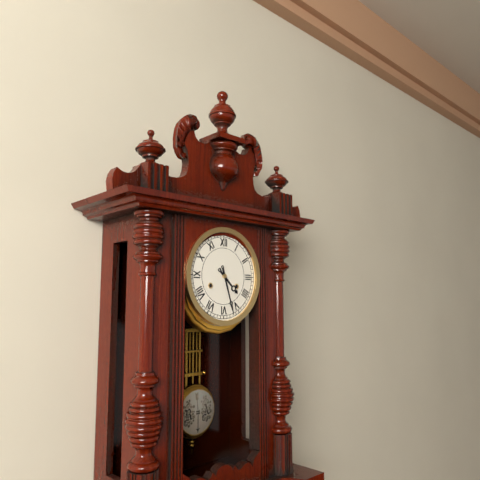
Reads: 4,27
